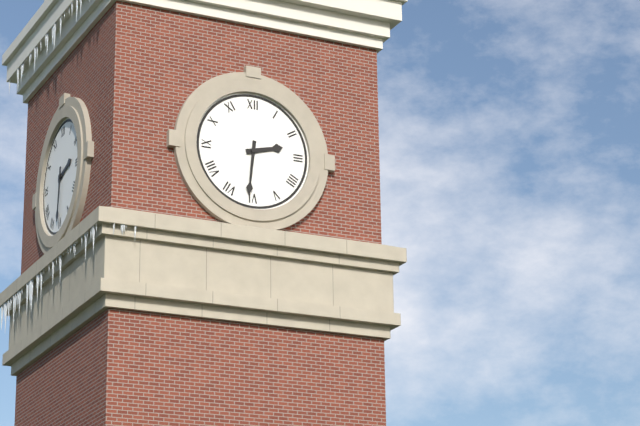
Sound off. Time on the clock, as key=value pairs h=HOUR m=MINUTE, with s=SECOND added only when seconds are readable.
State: h=2 m=31
